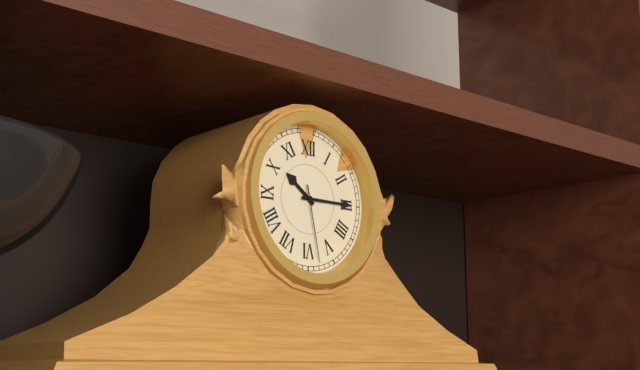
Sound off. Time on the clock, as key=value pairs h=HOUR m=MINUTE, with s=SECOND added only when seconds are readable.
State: h=10 m=15 s=28
